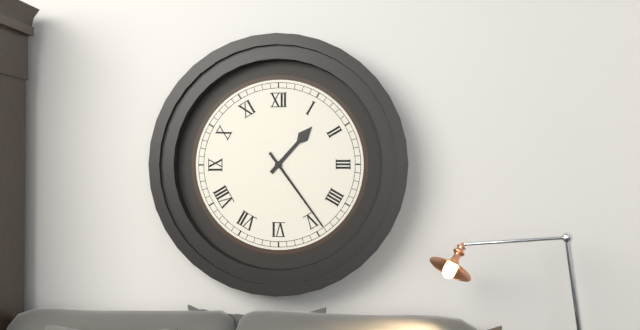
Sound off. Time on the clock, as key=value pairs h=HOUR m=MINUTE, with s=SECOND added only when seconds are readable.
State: h=1 m=24
